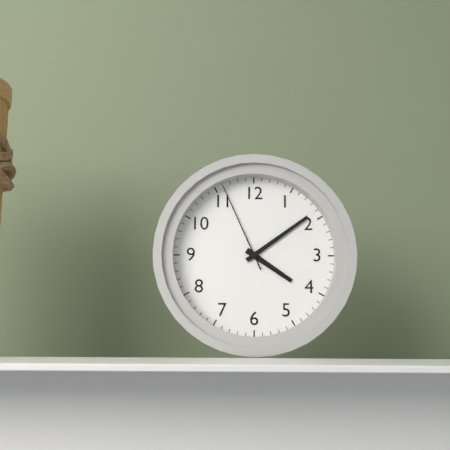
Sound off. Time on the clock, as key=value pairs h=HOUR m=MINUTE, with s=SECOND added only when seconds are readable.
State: h=4 m=9 s=56
